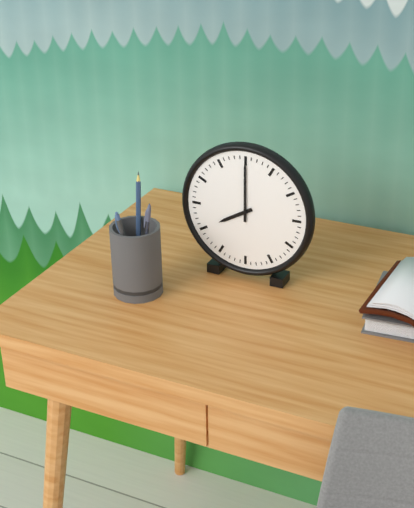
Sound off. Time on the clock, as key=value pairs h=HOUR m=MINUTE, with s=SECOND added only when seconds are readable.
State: h=8 m=0
